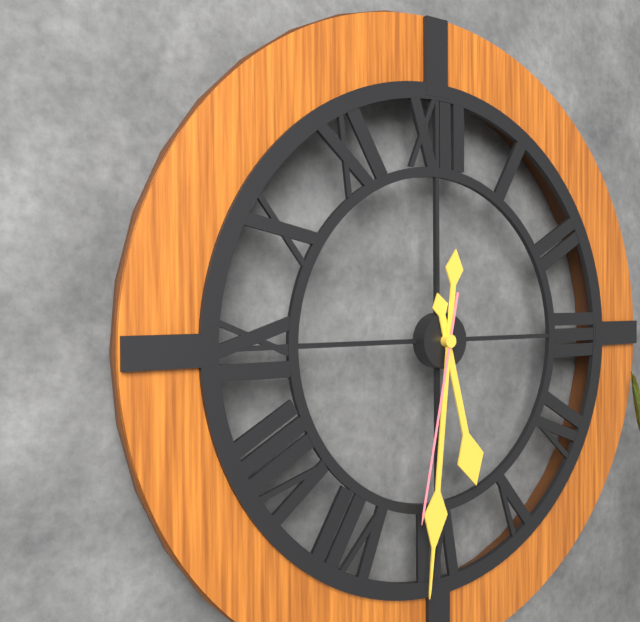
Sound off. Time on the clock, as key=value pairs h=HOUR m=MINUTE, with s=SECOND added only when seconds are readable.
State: h=5 m=31 s=32
